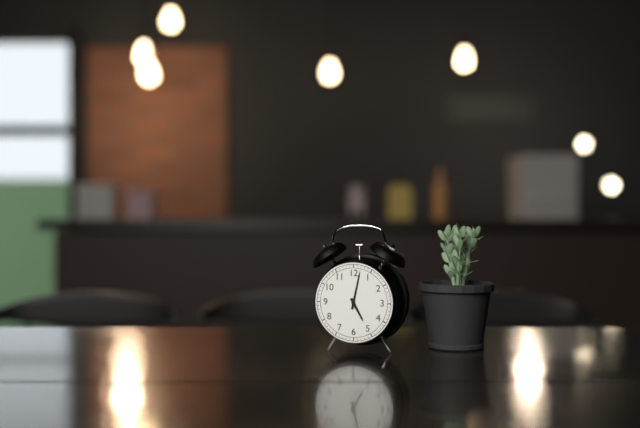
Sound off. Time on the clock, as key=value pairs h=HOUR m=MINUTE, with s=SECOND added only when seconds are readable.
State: h=5 m=2
